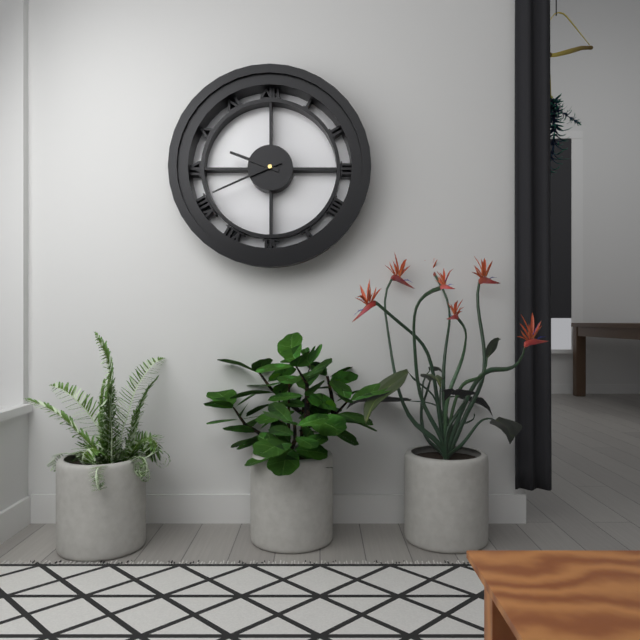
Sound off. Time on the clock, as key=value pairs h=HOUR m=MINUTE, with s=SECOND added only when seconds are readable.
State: h=9 m=41
